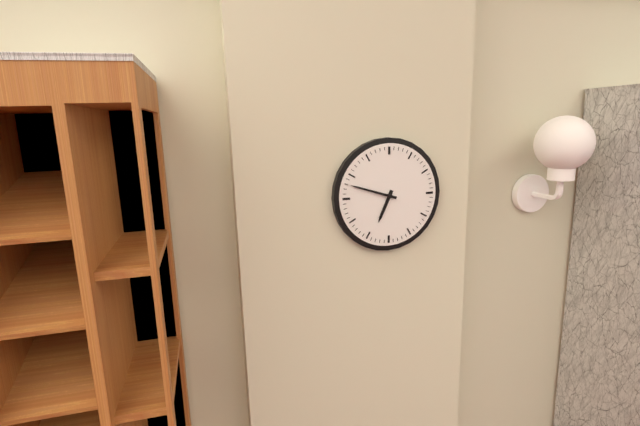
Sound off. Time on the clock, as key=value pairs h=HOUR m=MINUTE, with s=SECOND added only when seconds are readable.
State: h=6 m=48
